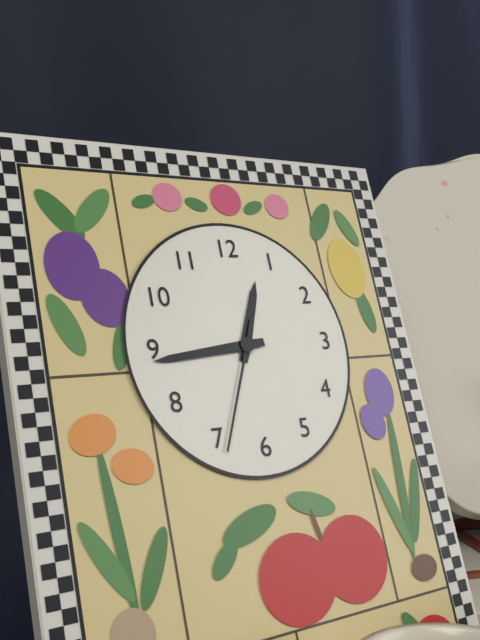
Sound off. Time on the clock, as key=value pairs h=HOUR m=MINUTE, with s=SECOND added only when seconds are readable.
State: h=12 m=44 s=34
